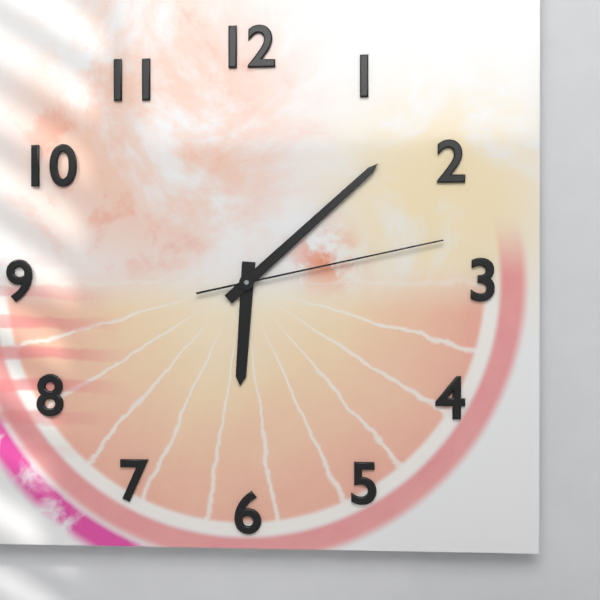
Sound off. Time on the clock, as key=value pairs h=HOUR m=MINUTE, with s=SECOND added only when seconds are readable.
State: h=6 m=8 s=13
